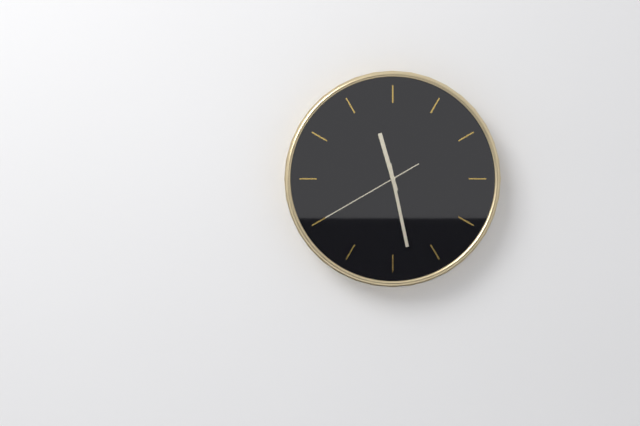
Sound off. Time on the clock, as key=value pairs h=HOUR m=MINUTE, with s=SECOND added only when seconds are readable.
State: h=11 m=28 s=40
